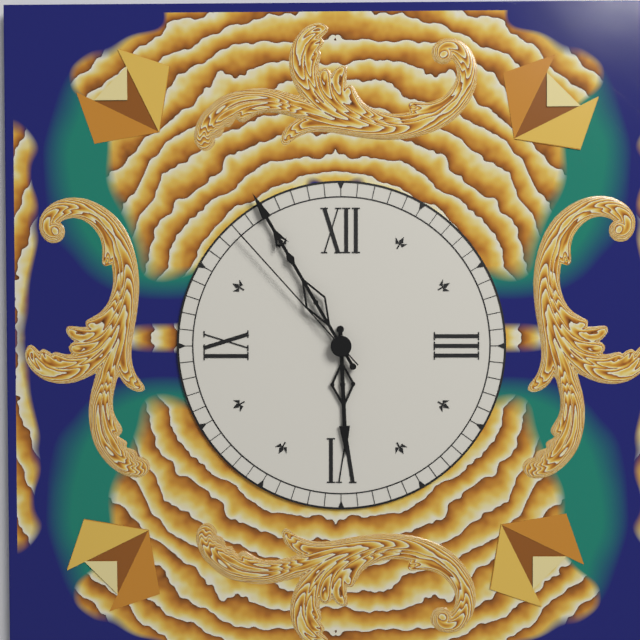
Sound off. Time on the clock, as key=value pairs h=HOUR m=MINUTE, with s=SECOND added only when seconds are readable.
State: h=5 m=55 s=53
